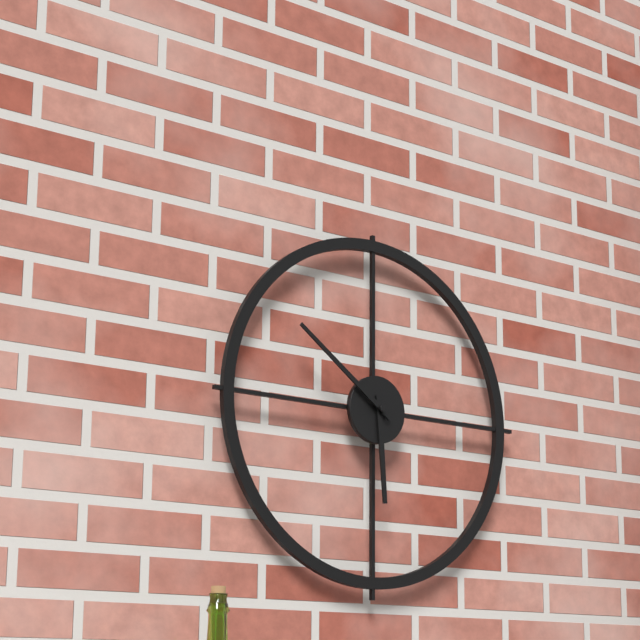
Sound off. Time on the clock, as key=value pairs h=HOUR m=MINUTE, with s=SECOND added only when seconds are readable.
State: h=5 m=51
